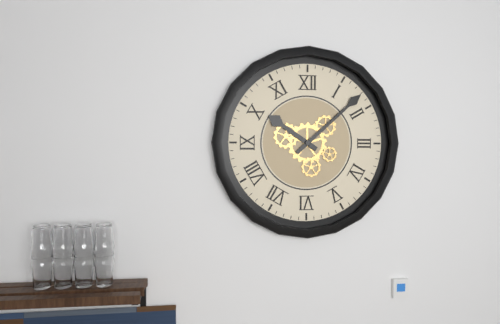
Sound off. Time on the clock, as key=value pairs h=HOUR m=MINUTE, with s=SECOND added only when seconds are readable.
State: h=10 m=8
